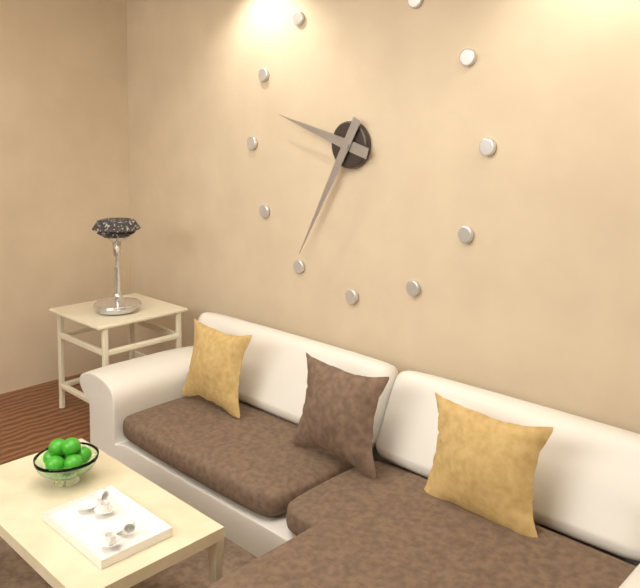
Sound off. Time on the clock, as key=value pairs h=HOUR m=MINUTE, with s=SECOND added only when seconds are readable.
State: h=9 m=35
